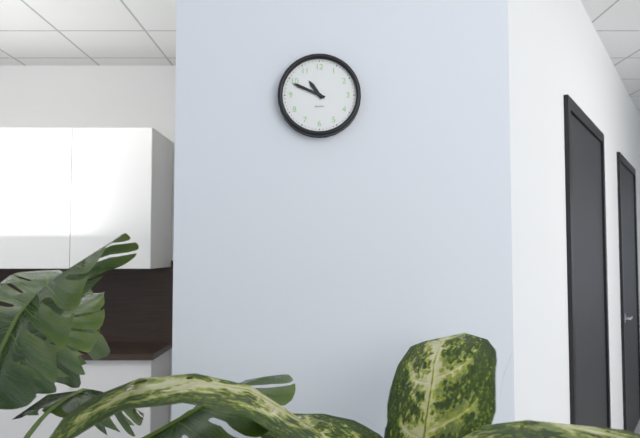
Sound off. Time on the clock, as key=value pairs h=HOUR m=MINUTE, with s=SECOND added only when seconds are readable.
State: h=10 m=49
